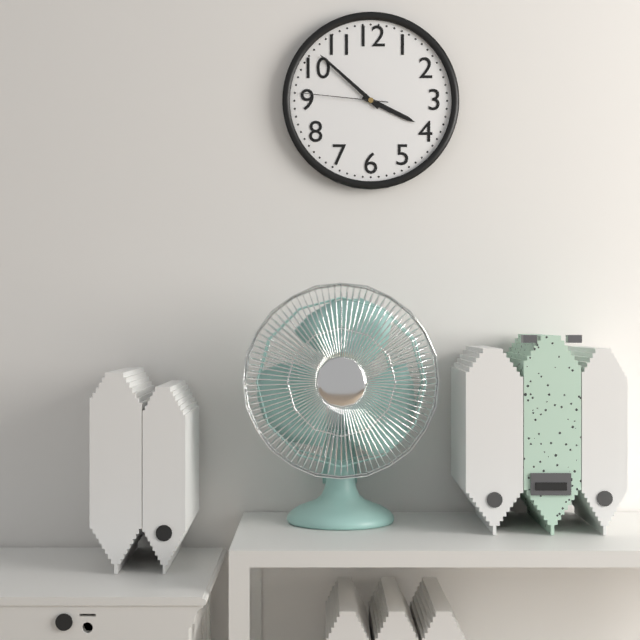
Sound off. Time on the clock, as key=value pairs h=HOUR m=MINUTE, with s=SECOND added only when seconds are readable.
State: h=3 m=52 s=46
